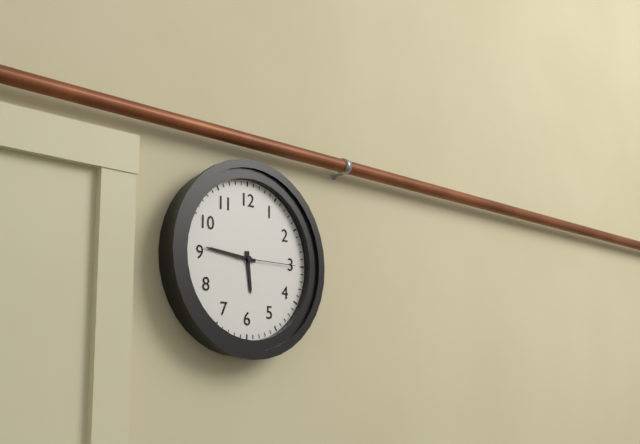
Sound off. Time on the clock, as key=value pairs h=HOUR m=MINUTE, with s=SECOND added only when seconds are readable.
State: h=5 m=46 s=15
